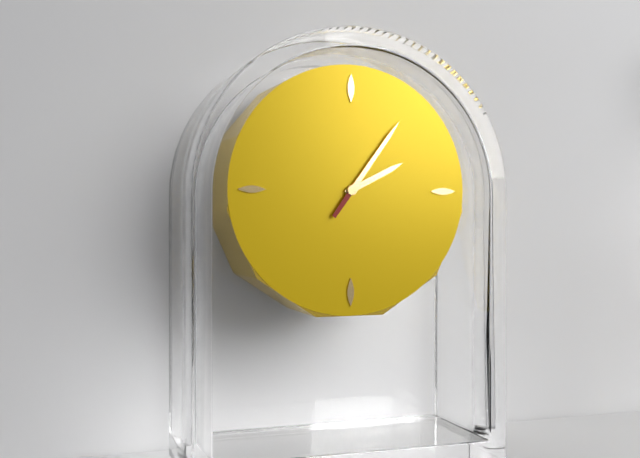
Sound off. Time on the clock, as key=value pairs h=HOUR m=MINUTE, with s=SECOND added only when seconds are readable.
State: h=2 m=6
